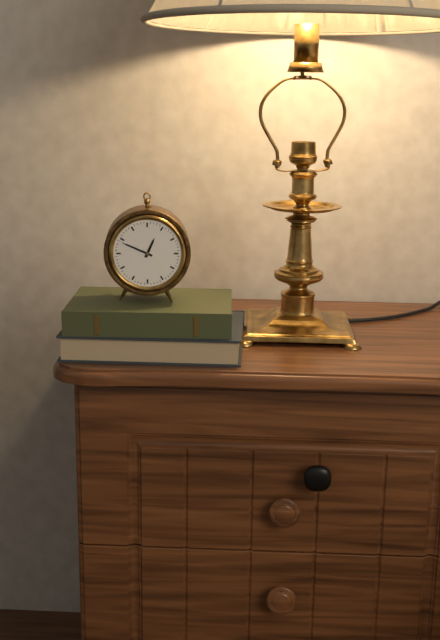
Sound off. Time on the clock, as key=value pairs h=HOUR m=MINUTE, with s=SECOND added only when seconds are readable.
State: h=12 m=49
